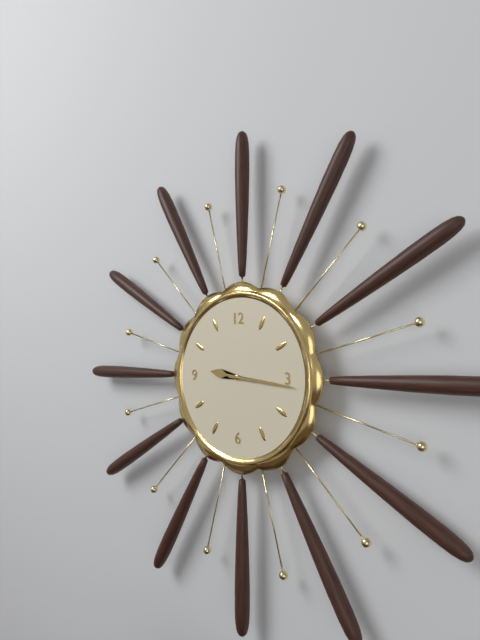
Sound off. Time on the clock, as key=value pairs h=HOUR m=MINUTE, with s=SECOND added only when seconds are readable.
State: h=9 m=16
